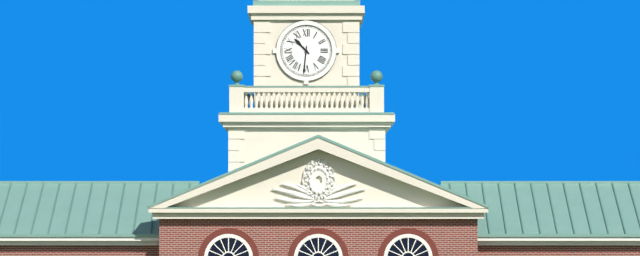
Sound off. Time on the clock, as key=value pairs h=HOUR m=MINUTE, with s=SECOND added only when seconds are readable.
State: h=10 m=31
